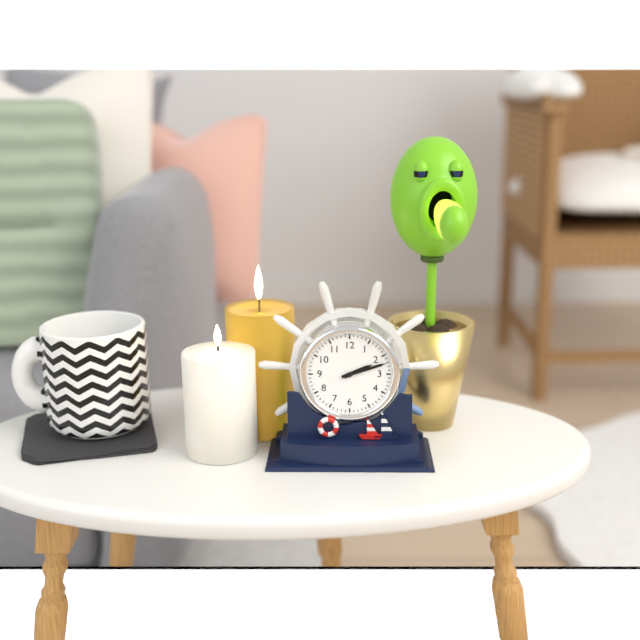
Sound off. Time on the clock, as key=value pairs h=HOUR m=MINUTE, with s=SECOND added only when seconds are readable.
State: h=2 m=12
